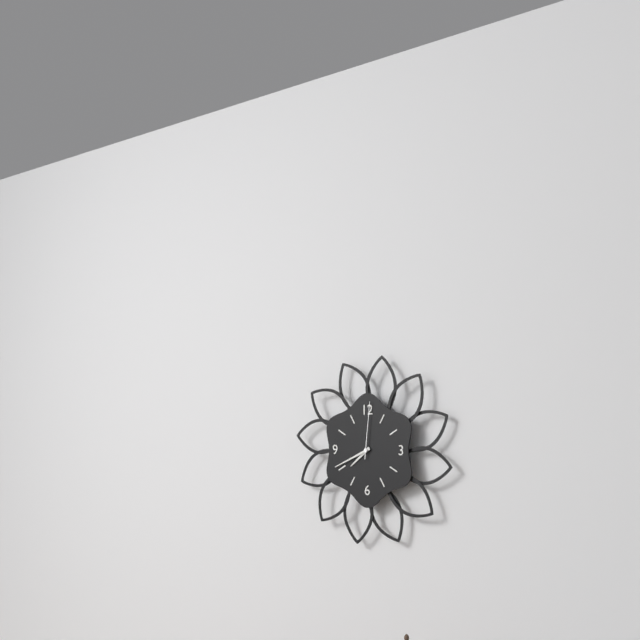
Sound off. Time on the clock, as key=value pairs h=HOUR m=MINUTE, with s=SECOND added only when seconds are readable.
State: h=7 m=41 s=1
